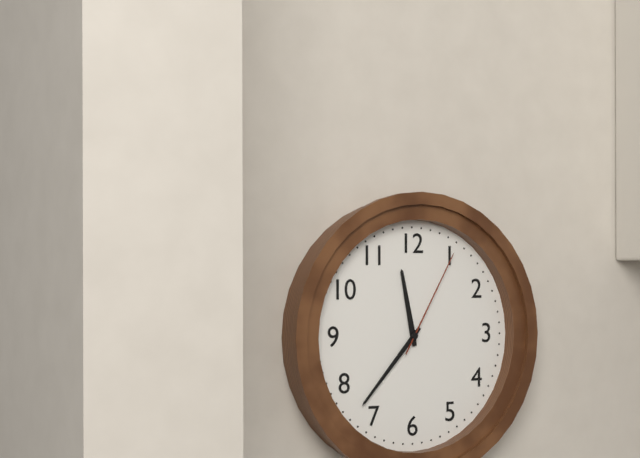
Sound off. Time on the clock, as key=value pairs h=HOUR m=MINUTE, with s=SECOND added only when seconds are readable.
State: h=11 m=37 s=5
